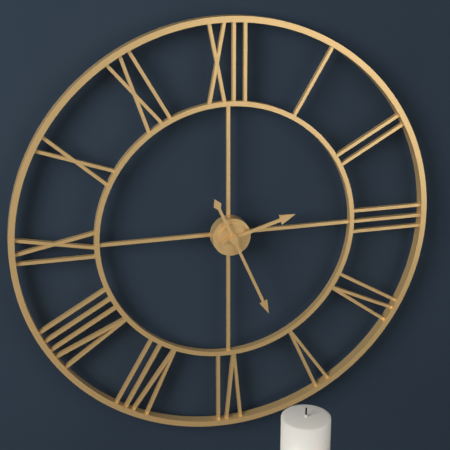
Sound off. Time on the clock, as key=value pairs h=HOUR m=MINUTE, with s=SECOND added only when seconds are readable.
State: h=2 m=26
